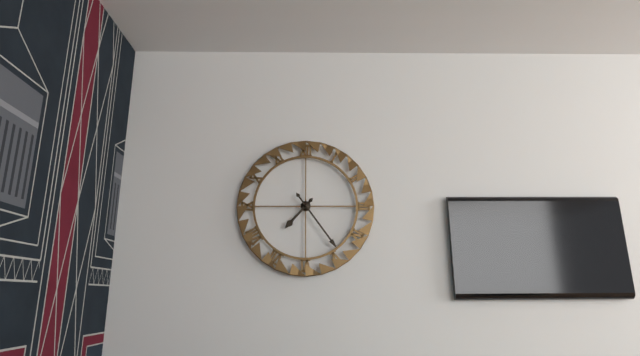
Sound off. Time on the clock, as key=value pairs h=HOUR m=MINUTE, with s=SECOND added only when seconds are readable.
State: h=7 m=24
